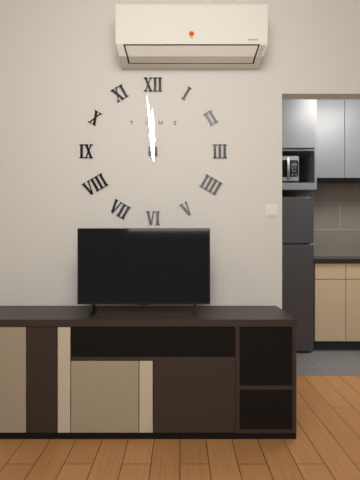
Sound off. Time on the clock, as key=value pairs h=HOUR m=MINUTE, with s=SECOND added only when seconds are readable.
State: h=11 m=59
